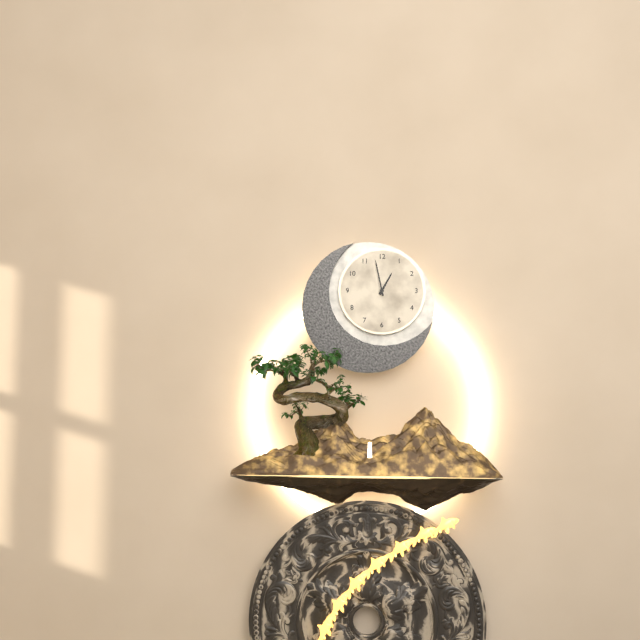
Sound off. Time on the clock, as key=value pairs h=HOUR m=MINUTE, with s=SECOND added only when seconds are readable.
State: h=12 m=58
